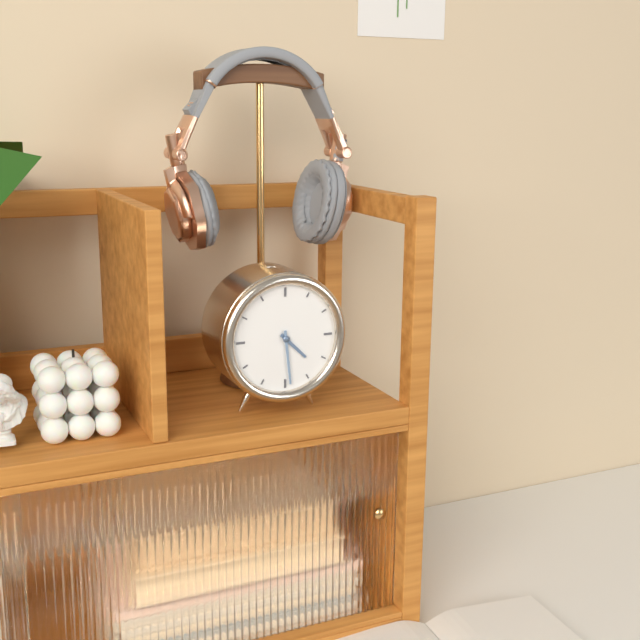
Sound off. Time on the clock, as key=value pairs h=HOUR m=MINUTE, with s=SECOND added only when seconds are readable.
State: h=4 m=29
